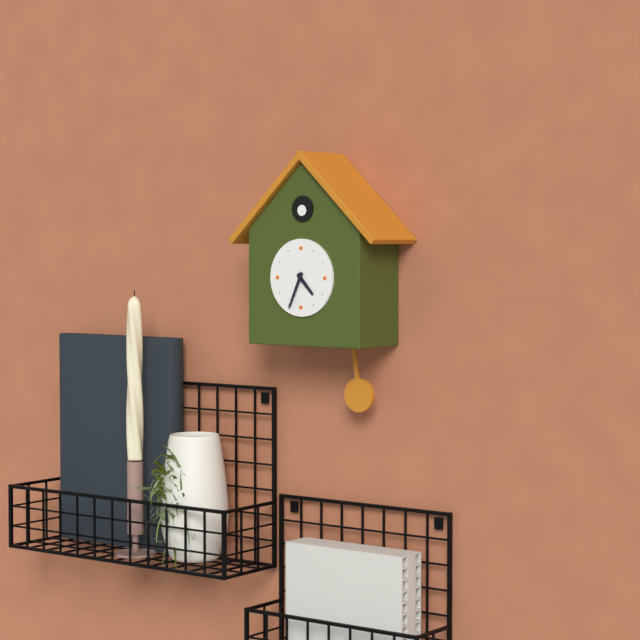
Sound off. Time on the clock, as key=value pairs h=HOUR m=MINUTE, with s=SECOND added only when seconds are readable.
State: h=4 m=34
